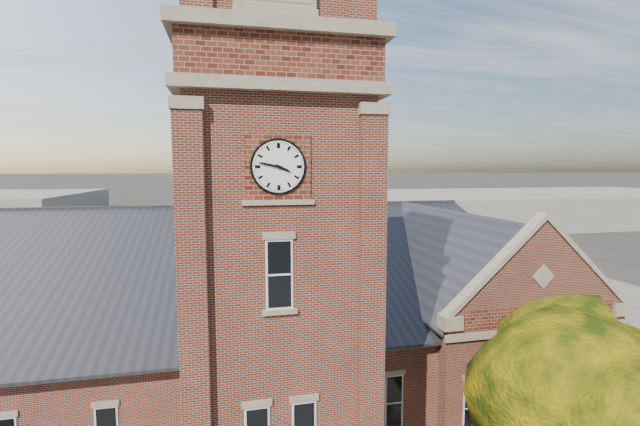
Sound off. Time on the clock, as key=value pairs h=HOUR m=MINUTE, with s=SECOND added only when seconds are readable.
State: h=3 m=47
